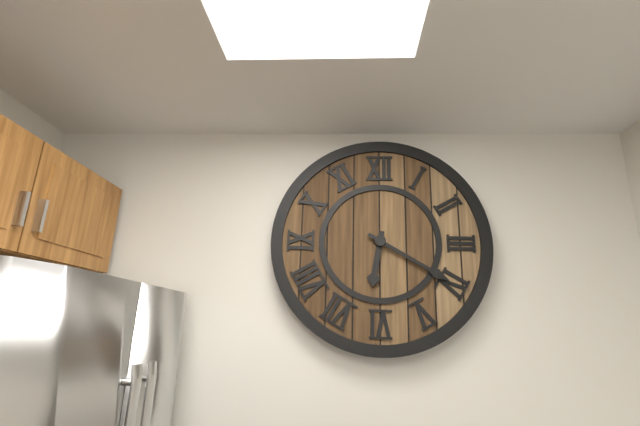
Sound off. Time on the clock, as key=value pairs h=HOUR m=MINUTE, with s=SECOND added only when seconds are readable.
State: h=6 m=20
